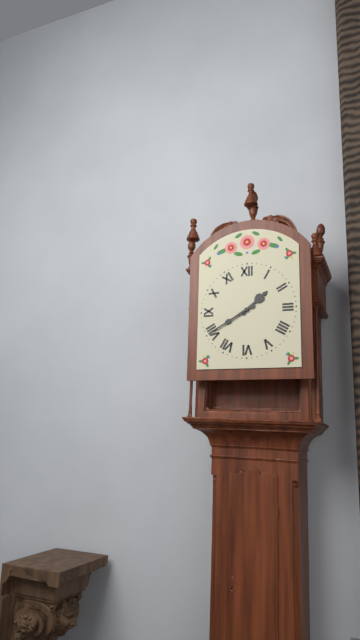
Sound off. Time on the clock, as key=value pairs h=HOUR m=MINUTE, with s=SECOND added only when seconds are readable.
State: h=1 m=40
